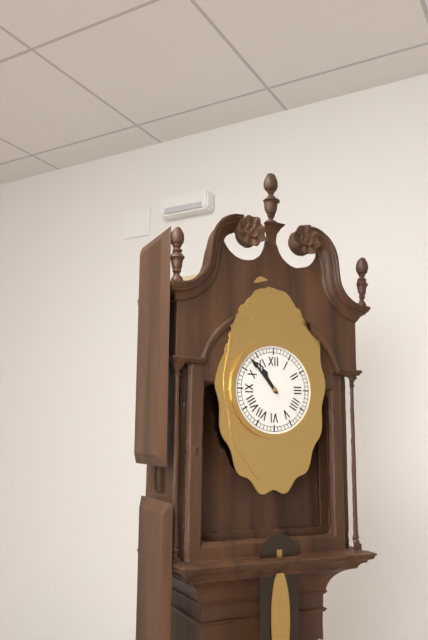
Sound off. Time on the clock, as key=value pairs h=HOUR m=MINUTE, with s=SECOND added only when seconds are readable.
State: h=10 m=53
